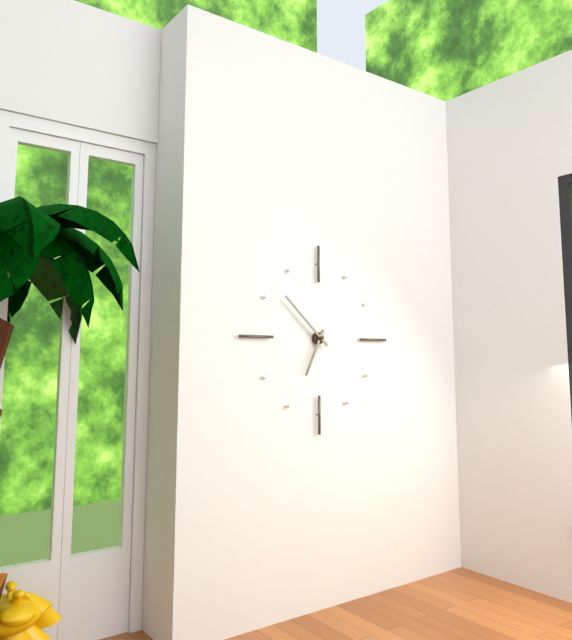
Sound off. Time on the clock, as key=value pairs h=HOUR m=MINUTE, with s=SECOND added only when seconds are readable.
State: h=6 m=52
